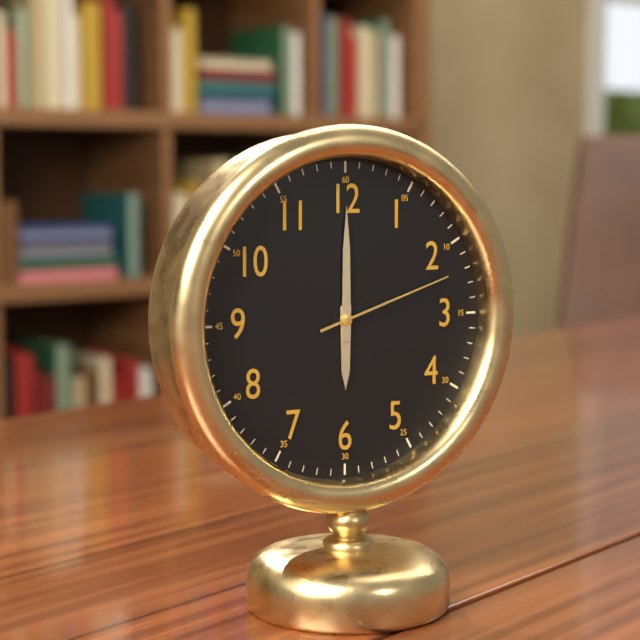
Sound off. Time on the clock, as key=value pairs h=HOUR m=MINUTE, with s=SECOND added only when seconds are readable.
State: h=6 m=0 s=12
